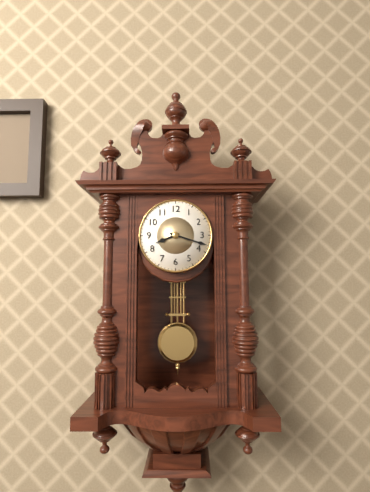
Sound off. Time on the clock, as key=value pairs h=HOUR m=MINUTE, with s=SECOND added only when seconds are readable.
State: h=8 m=18
